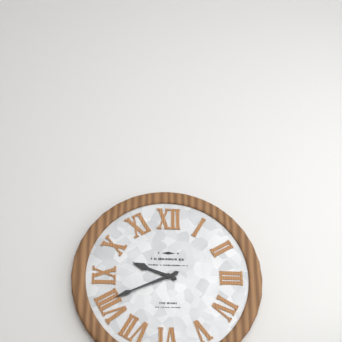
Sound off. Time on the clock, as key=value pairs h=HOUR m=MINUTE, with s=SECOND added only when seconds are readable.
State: h=9 m=41
